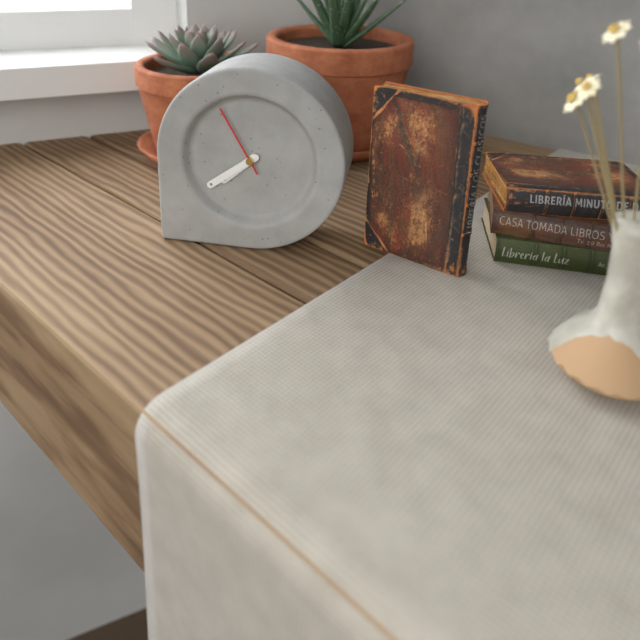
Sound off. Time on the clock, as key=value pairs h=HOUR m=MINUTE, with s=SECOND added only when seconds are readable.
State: h=7 m=39 s=55
